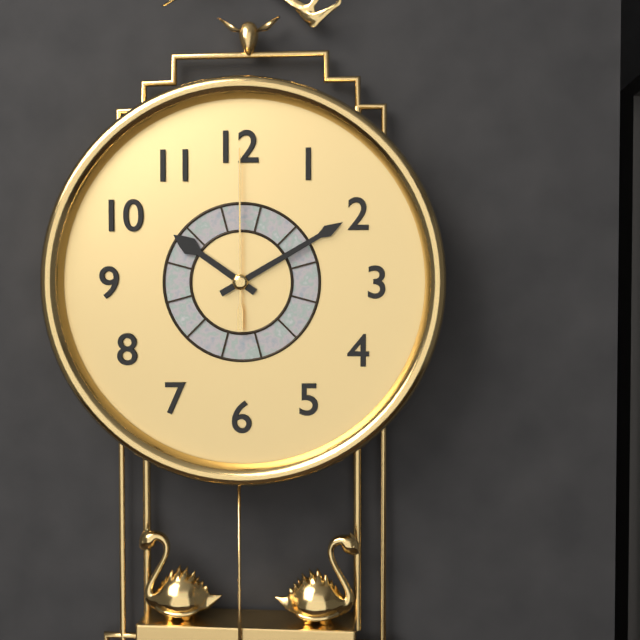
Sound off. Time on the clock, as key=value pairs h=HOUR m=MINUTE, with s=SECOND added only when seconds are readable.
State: h=10 m=10 s=0
